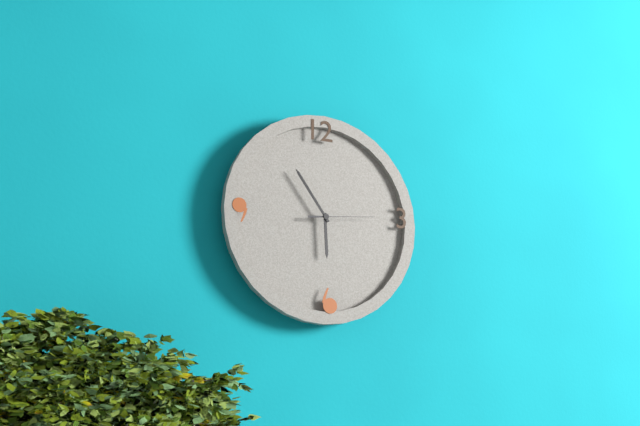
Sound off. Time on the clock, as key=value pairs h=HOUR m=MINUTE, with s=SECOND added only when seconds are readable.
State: h=5 m=54 s=14
